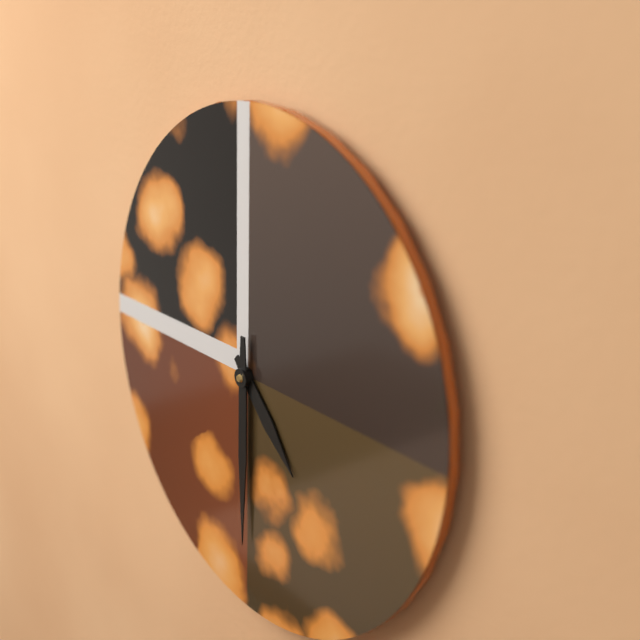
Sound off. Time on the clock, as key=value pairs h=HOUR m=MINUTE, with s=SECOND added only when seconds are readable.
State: h=4 m=30
